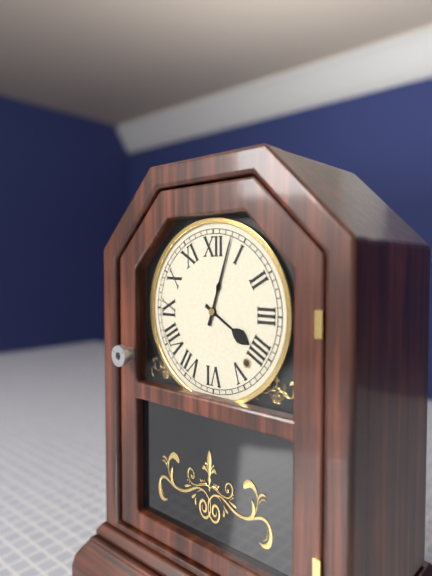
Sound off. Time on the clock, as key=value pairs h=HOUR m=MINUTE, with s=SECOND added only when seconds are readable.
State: h=4 m=3
